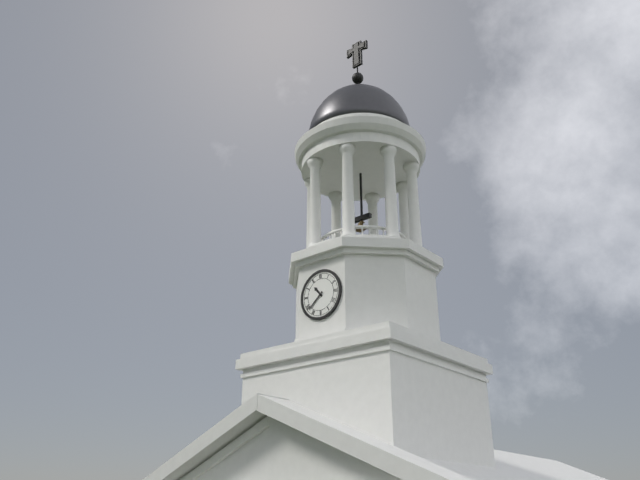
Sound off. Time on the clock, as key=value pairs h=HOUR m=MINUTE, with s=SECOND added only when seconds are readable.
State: h=10 m=38
